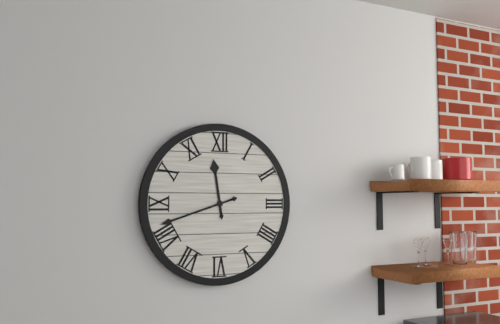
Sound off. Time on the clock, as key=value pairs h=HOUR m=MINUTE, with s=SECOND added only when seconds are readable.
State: h=11 m=42
